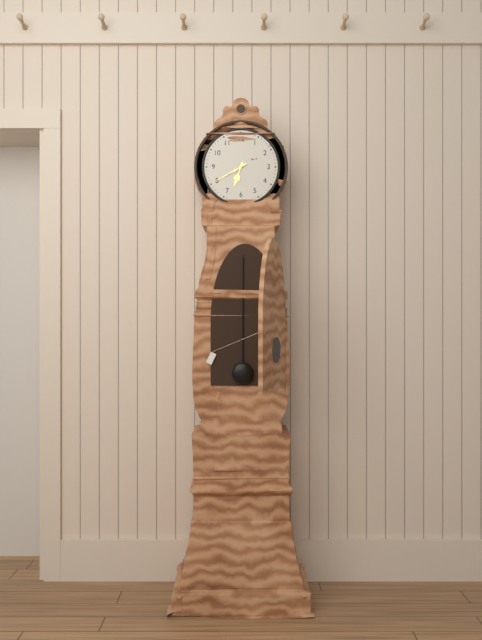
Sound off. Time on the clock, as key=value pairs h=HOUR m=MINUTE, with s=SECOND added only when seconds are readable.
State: h=6 m=40
